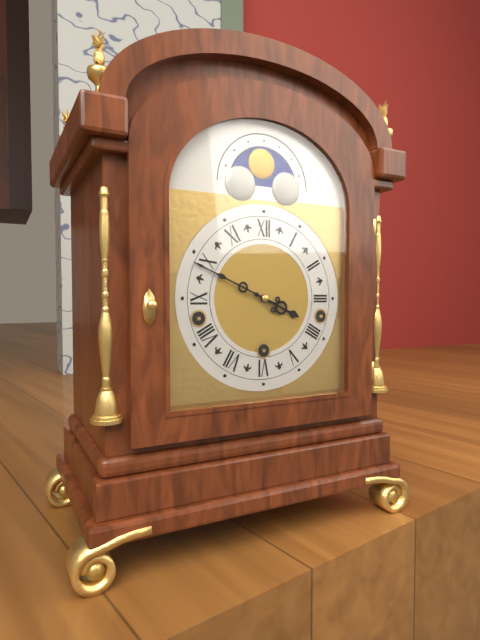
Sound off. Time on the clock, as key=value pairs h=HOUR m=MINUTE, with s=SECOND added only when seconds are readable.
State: h=3 m=49
